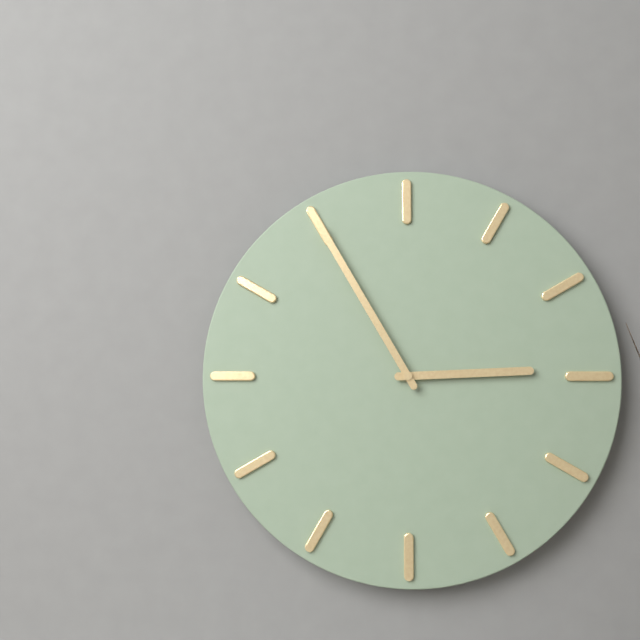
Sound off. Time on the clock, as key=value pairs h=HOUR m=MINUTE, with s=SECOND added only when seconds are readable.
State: h=2 m=55
